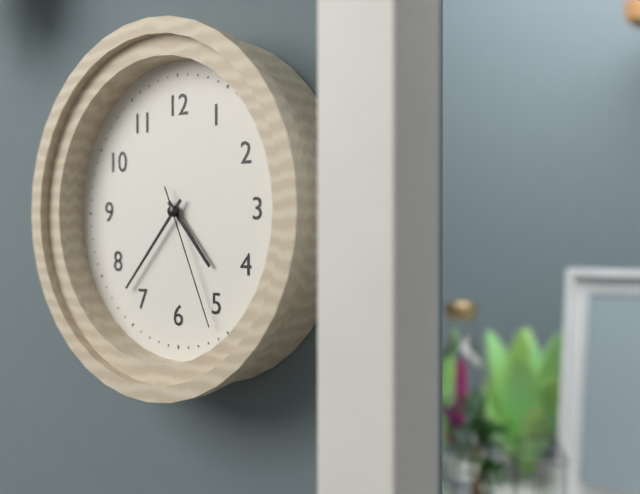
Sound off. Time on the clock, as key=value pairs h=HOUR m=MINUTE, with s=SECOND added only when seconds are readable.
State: h=4 m=37 s=26
